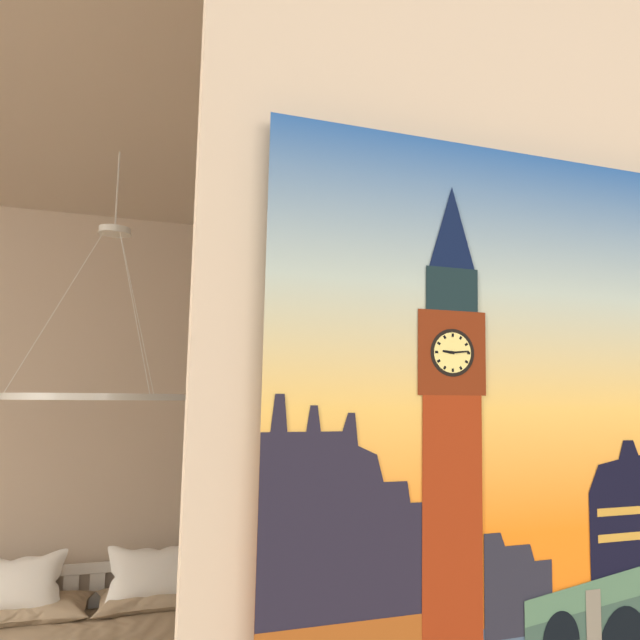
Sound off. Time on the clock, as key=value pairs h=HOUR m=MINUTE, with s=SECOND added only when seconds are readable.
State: h=9 m=14
